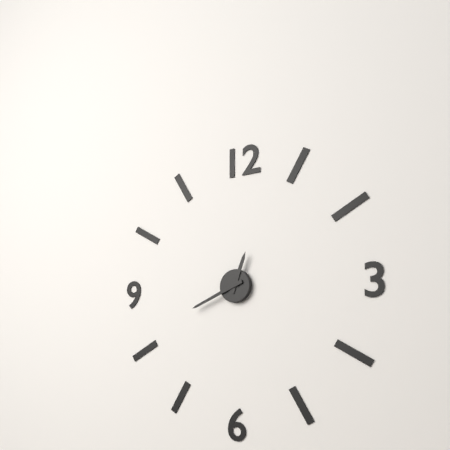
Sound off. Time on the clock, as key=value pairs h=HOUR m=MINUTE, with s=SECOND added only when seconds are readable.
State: h=12 m=41
